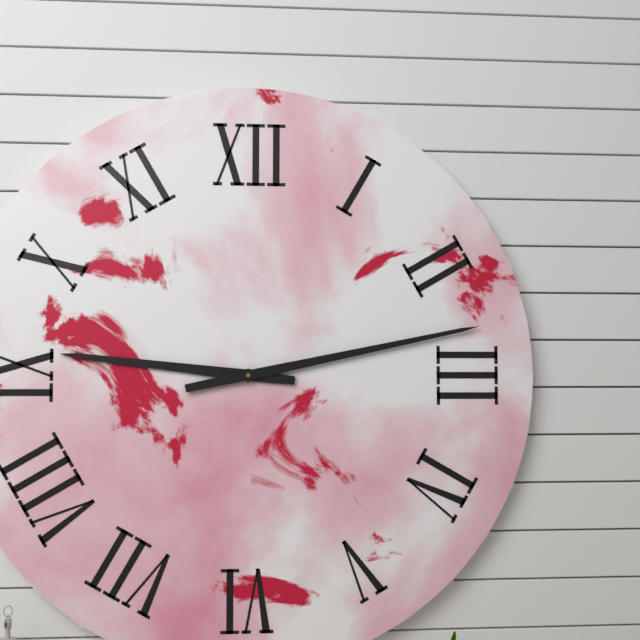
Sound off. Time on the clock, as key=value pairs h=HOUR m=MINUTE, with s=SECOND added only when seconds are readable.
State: h=9 m=13
